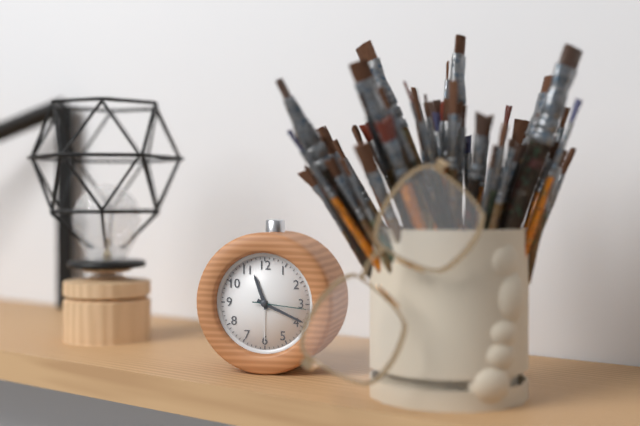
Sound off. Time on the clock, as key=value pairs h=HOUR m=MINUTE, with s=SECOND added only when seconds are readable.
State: h=11 m=19 s=16
